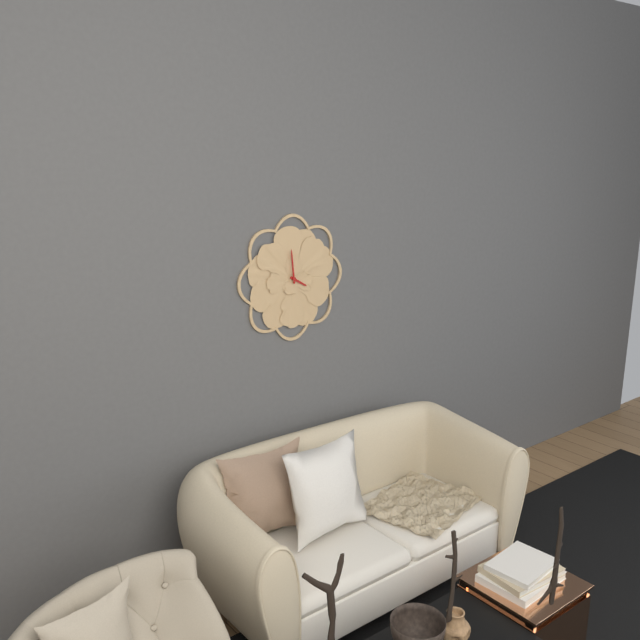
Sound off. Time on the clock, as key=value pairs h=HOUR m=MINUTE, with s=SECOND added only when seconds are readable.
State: h=3 m=59
